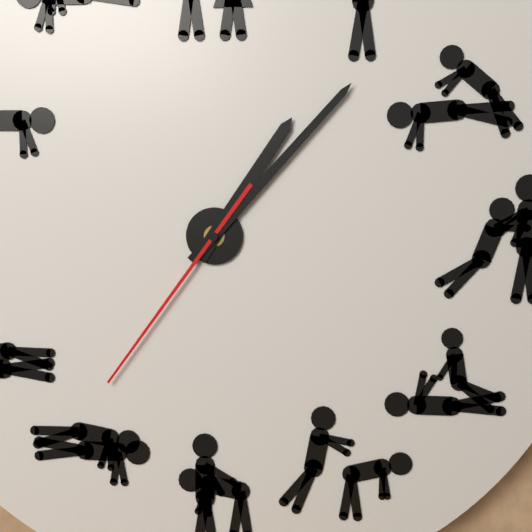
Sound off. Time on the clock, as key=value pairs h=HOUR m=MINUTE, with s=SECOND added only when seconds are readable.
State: h=1 m=7 s=36
